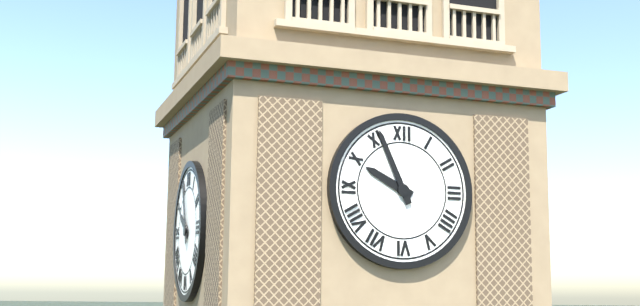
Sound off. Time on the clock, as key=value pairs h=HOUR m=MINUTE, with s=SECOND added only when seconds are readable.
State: h=9 m=56
